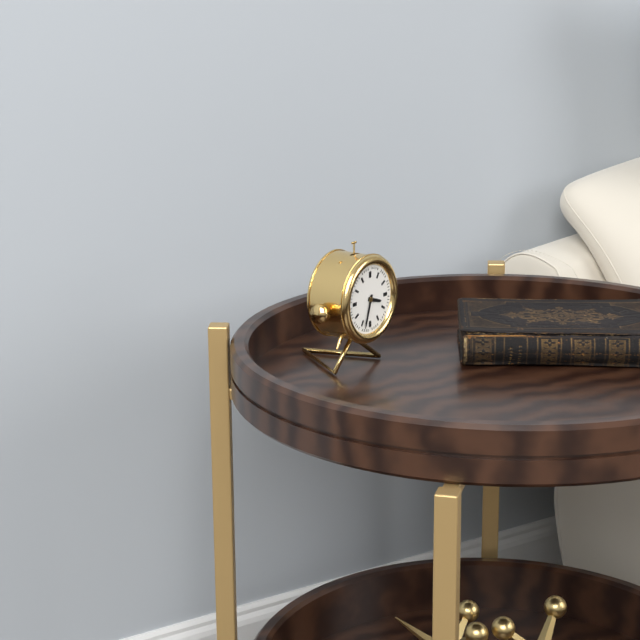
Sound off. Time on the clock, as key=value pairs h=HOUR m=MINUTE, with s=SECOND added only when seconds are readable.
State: h=3 m=33
